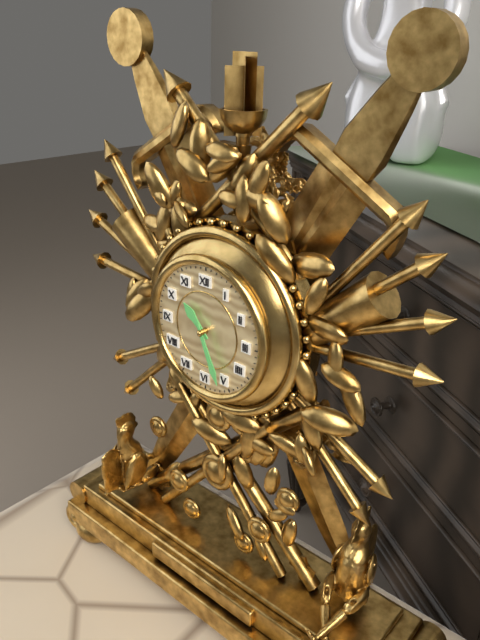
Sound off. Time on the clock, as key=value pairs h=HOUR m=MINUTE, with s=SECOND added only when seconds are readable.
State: h=10 m=26
